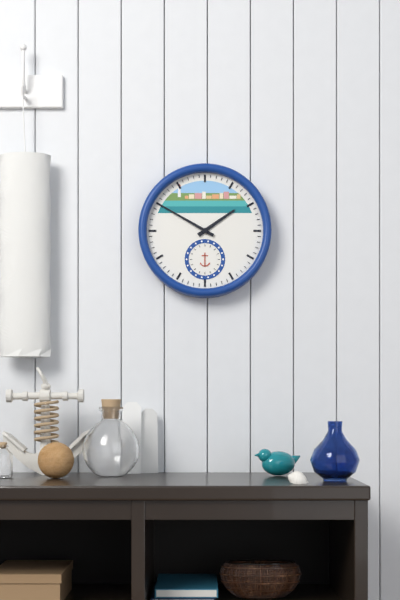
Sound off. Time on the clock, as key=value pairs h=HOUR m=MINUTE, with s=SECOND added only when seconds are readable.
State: h=1 m=50
